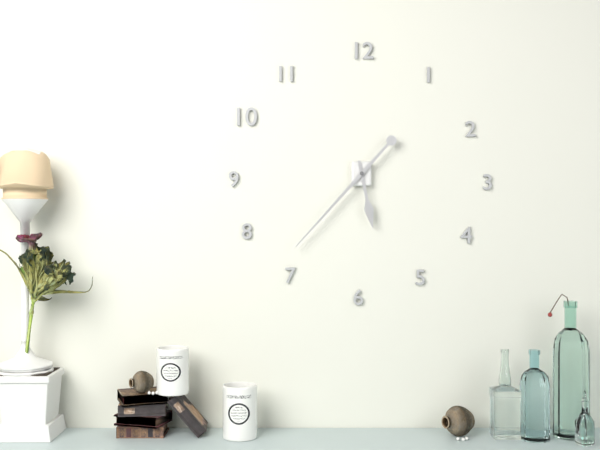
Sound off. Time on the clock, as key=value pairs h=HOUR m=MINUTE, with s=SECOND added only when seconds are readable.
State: h=5 m=37
